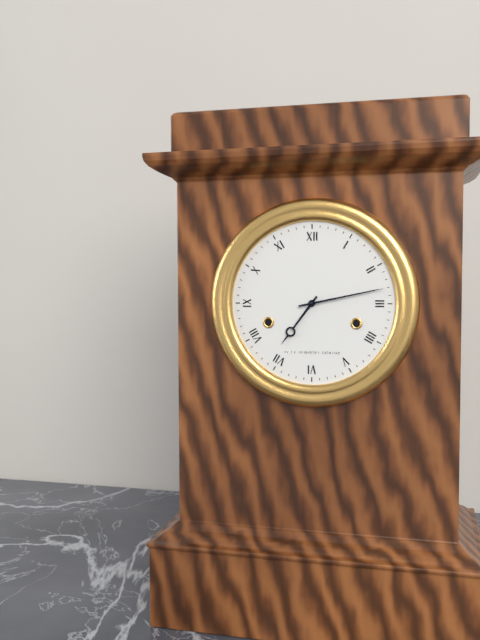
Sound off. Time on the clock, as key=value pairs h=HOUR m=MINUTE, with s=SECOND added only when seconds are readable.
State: h=7 m=13
